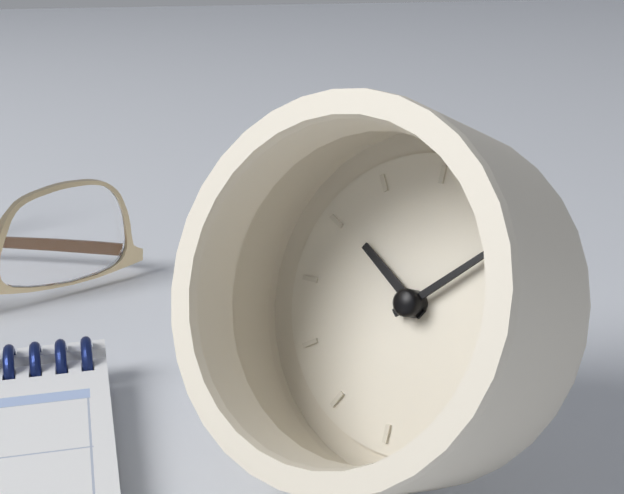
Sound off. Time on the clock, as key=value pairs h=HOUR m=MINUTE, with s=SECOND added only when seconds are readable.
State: h=10 m=8
